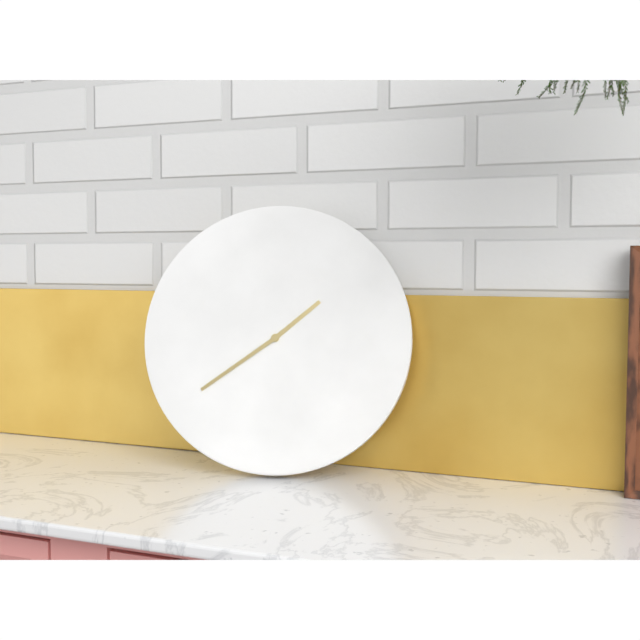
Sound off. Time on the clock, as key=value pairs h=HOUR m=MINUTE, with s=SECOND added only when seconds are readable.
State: h=1 m=39
